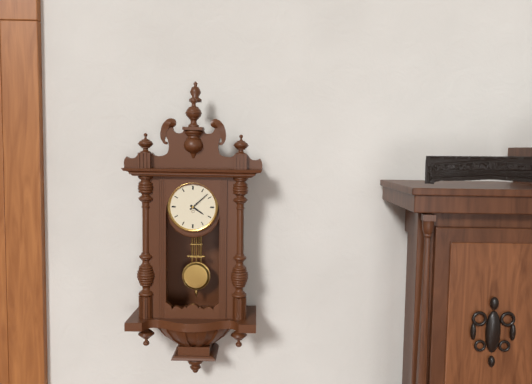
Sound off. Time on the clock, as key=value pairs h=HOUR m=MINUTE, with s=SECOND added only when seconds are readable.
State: h=4 m=8
